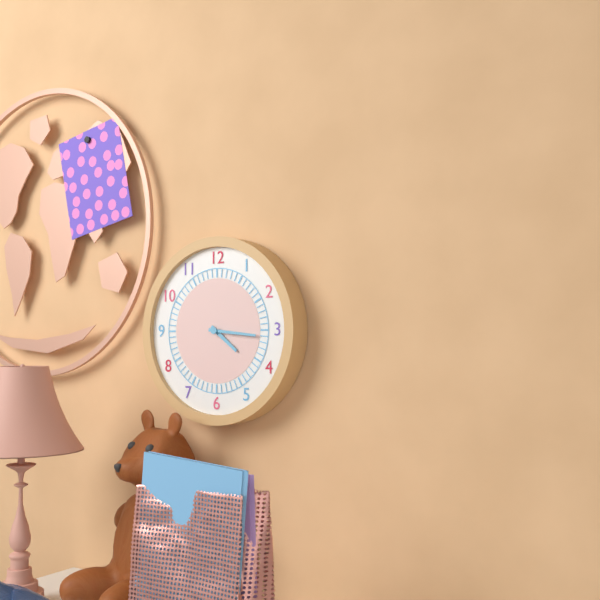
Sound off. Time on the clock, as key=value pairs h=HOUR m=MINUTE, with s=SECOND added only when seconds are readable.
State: h=4 m=16
